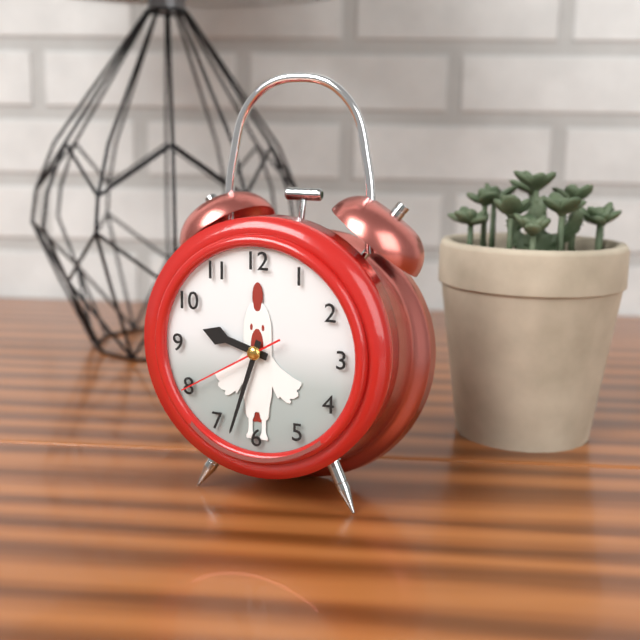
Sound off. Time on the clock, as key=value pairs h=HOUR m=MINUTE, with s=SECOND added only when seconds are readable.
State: h=9 m=33 s=40
